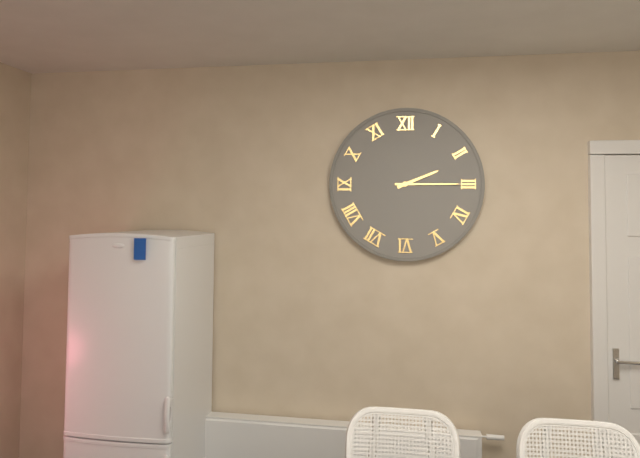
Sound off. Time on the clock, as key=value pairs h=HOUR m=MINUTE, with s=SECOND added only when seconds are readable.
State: h=2 m=15
